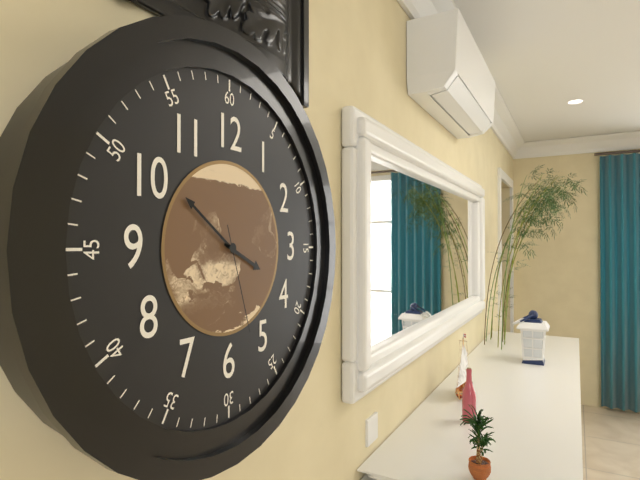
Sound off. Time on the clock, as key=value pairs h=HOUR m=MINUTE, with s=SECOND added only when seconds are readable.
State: h=3 m=51 s=27
